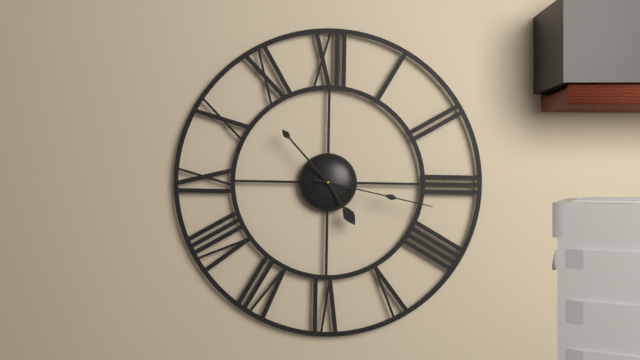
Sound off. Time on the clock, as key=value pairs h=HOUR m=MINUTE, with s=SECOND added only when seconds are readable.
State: h=4 m=53 s=17
